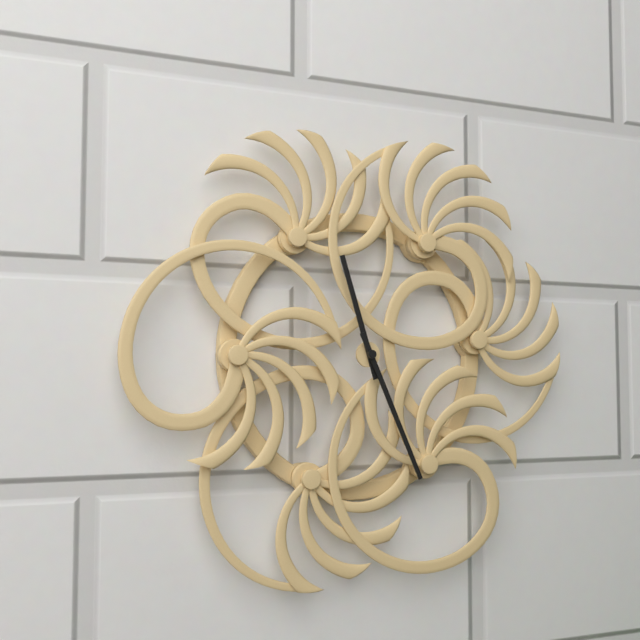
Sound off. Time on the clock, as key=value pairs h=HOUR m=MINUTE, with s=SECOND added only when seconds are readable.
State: h=11 m=26
